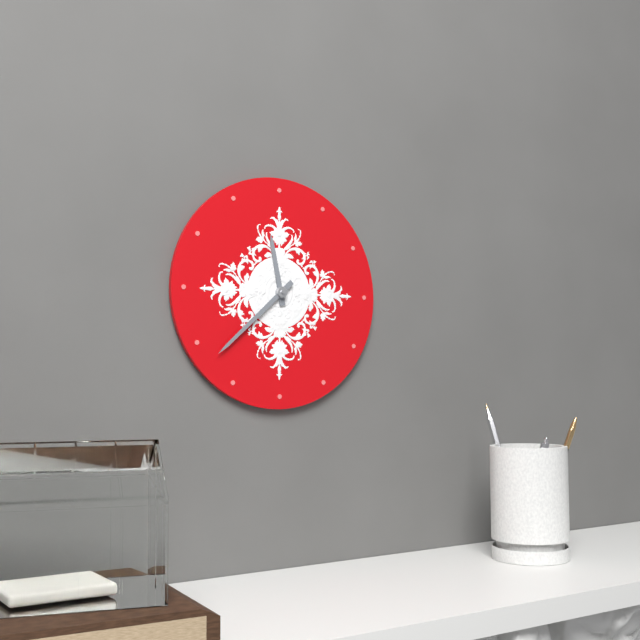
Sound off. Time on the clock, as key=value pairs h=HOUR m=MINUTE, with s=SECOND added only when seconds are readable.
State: h=11 m=38
